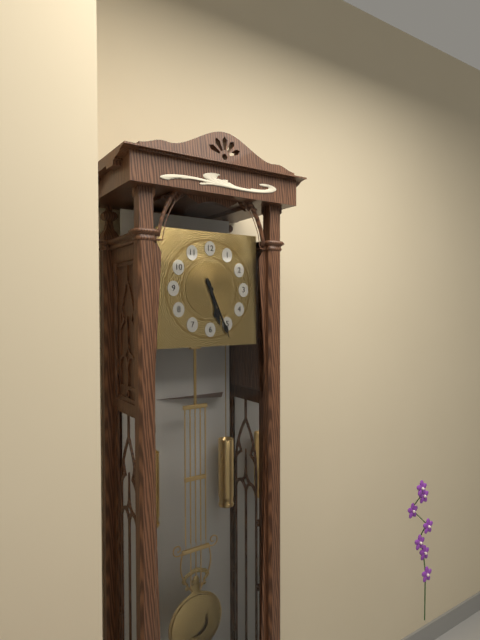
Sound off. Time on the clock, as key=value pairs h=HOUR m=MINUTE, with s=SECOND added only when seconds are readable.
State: h=5 m=26
